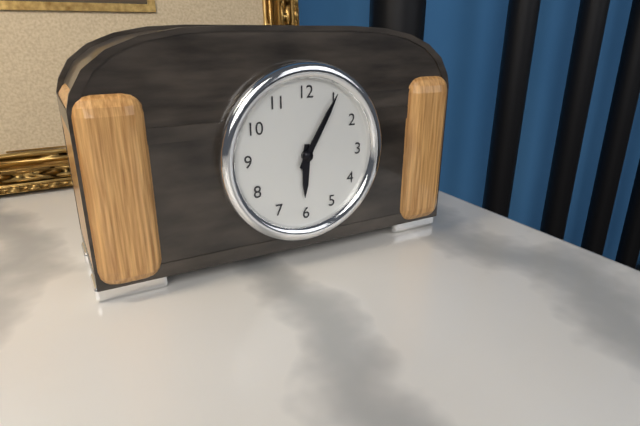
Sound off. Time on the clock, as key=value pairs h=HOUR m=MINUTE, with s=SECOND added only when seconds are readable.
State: h=6 m=5
